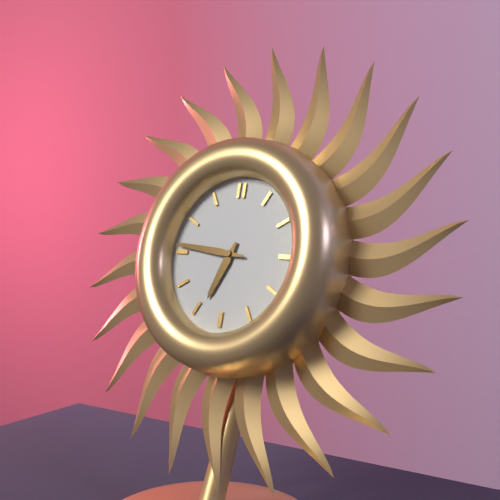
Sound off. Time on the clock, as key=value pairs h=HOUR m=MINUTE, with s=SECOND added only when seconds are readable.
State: h=6 m=46
